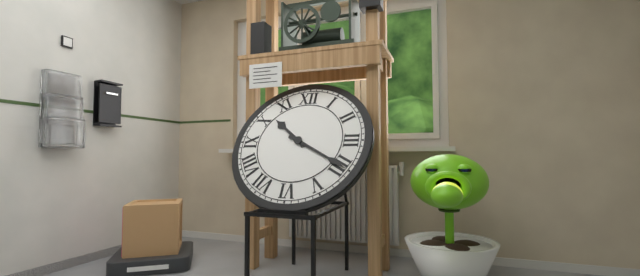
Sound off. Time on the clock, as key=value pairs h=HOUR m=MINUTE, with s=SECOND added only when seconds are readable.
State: h=10 m=20
